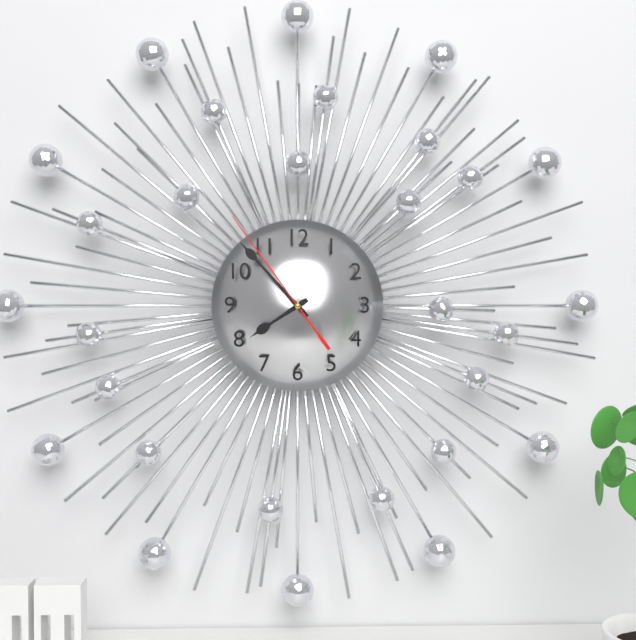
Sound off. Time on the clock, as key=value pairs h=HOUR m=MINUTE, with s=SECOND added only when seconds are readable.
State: h=7 m=53 s=54
